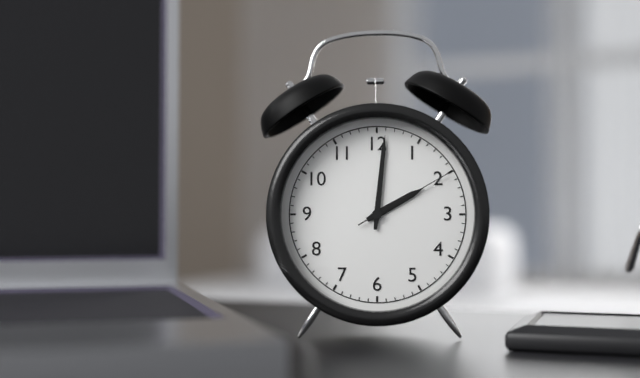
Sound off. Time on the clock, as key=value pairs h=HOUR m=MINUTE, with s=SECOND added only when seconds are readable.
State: h=2 m=1 s=10
